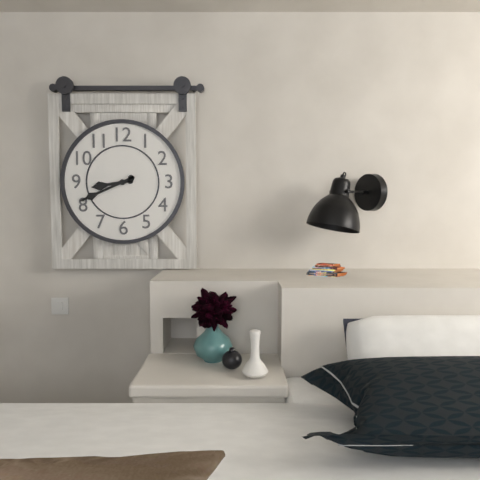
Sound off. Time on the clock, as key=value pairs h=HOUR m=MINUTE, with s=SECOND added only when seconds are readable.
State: h=8 m=41
